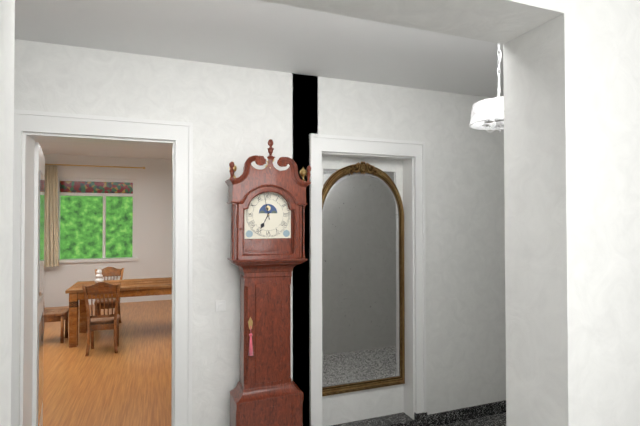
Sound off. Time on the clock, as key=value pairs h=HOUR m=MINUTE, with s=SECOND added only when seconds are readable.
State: h=6 m=58
